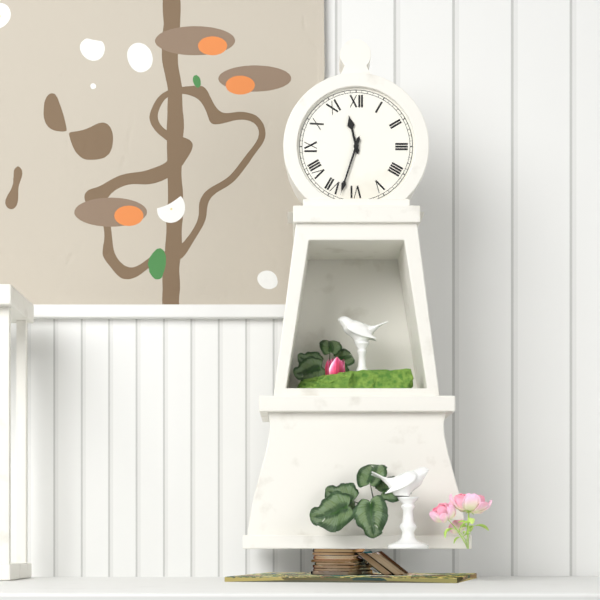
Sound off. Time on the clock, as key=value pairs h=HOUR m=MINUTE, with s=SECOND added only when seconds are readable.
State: h=11 m=33
